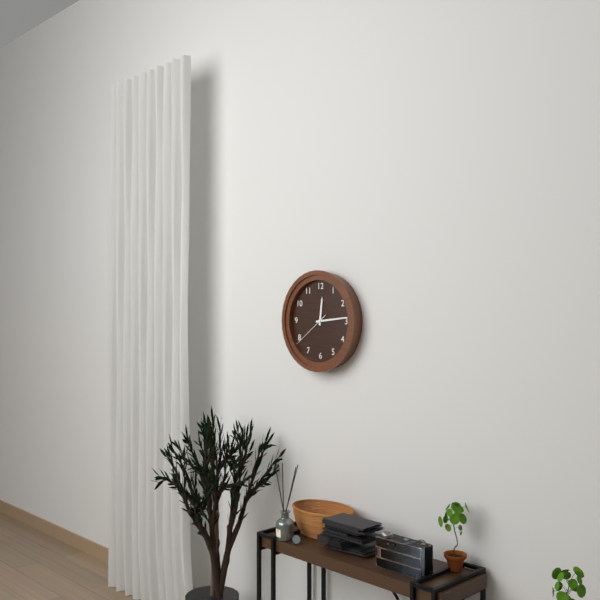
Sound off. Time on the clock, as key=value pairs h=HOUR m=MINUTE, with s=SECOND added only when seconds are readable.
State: h=12 m=14
